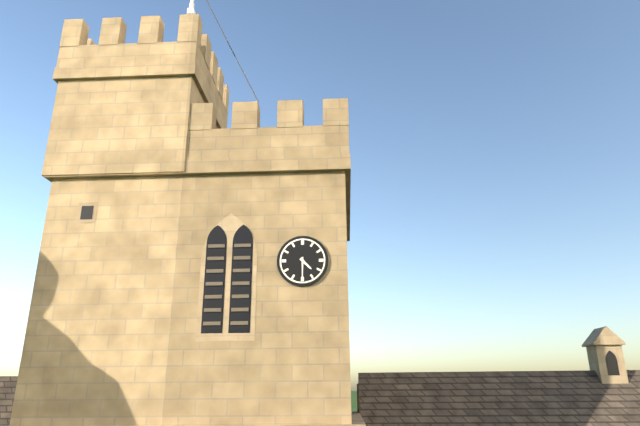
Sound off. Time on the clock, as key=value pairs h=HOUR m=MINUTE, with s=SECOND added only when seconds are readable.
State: h=4 m=30
